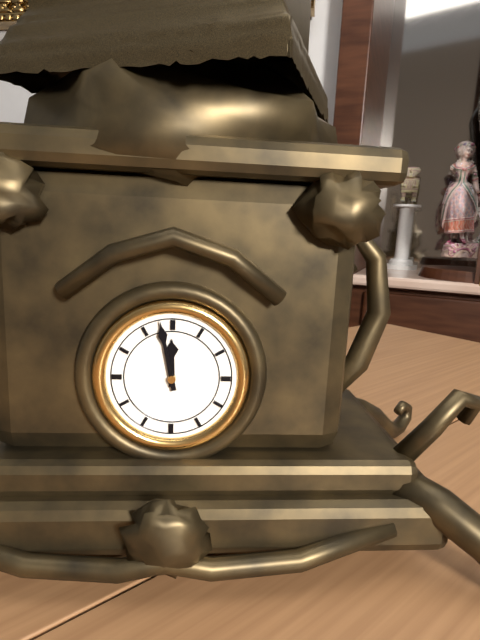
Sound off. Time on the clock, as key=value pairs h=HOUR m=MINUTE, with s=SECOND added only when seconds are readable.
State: h=11 m=58
